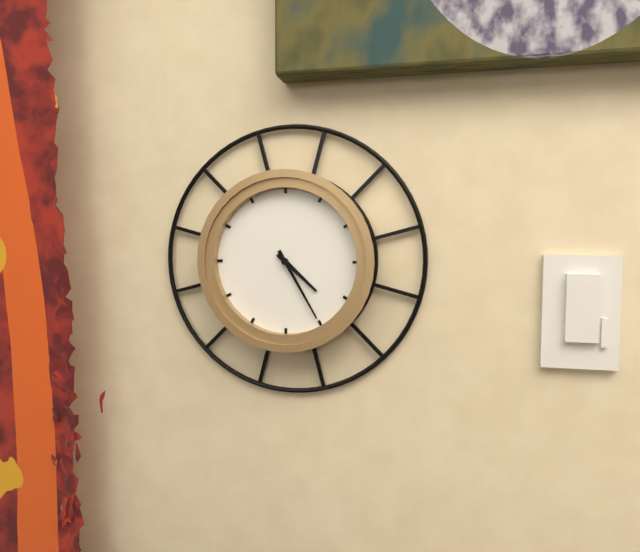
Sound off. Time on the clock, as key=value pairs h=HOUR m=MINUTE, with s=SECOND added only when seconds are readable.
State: h=4 m=25
